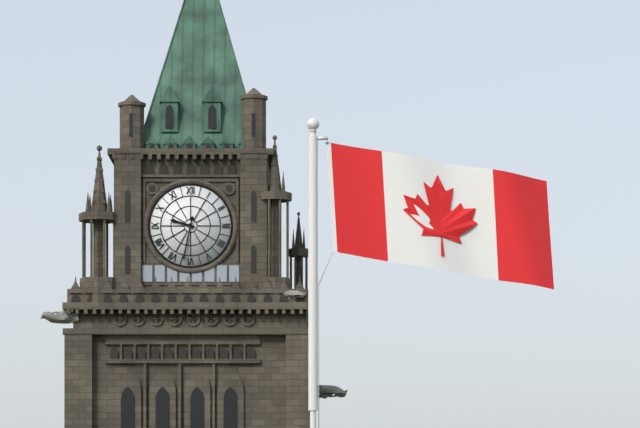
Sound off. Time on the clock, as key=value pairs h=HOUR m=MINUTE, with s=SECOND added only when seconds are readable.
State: h=9 m=32
